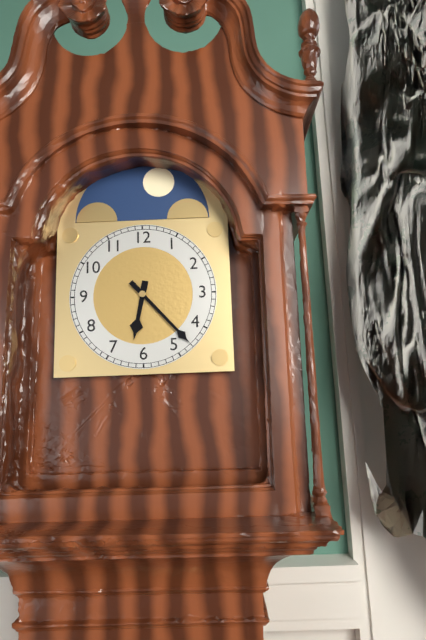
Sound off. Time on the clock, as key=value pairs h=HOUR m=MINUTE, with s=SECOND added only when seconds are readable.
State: h=6 m=23
